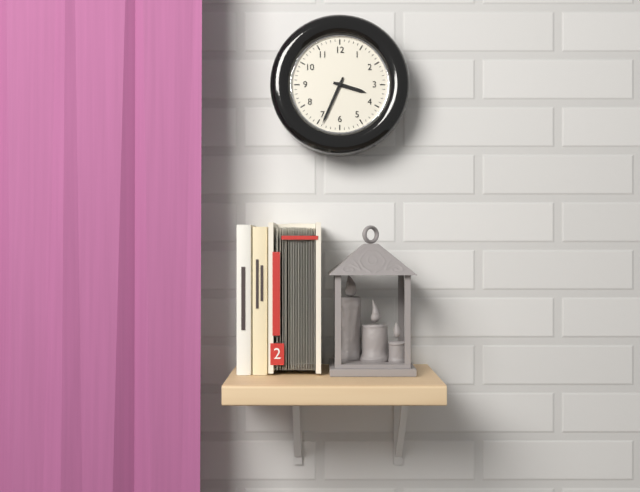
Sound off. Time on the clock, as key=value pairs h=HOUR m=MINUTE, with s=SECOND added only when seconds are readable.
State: h=3 m=34
